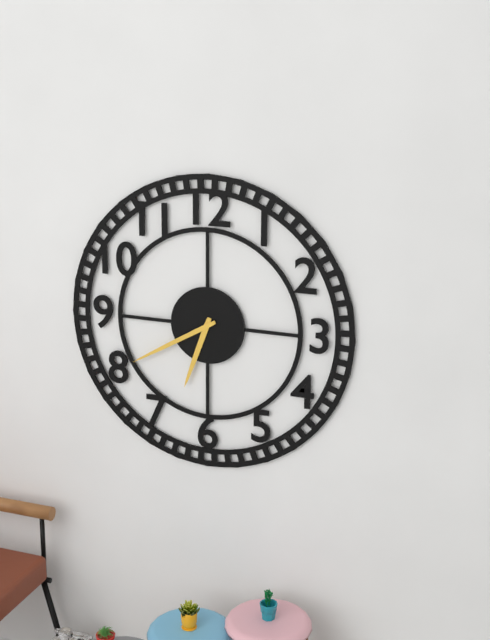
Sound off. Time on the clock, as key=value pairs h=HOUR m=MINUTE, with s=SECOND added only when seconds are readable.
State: h=6 m=40
